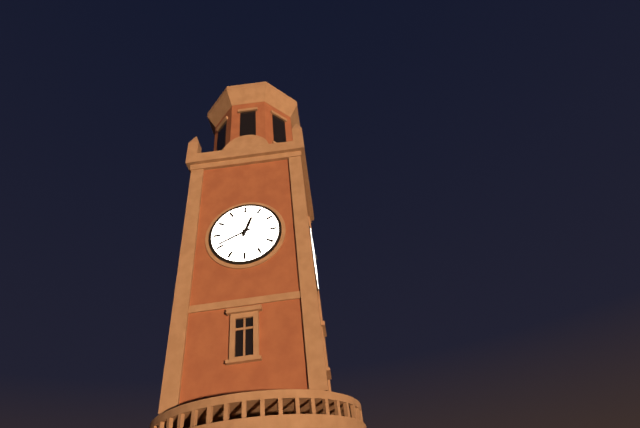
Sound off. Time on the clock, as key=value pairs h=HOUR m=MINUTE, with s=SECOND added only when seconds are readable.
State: h=12 m=41
